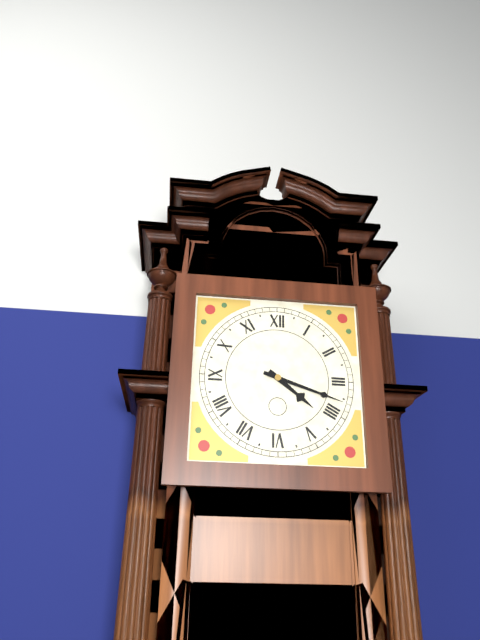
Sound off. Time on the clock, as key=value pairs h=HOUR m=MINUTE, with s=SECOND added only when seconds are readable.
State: h=4 m=18
